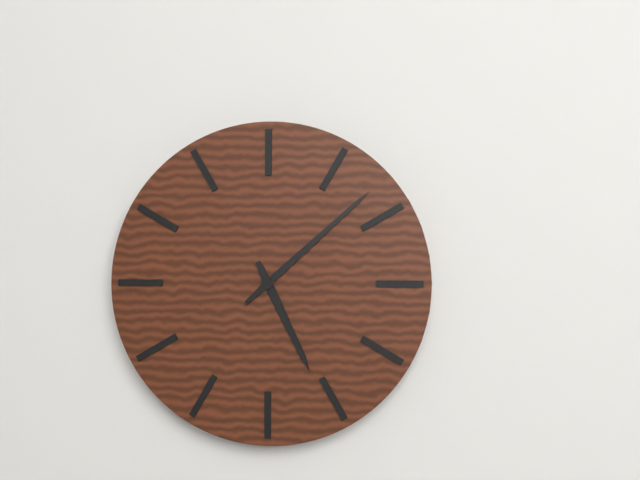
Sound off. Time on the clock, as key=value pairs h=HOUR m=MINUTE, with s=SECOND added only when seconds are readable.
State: h=5 m=8
